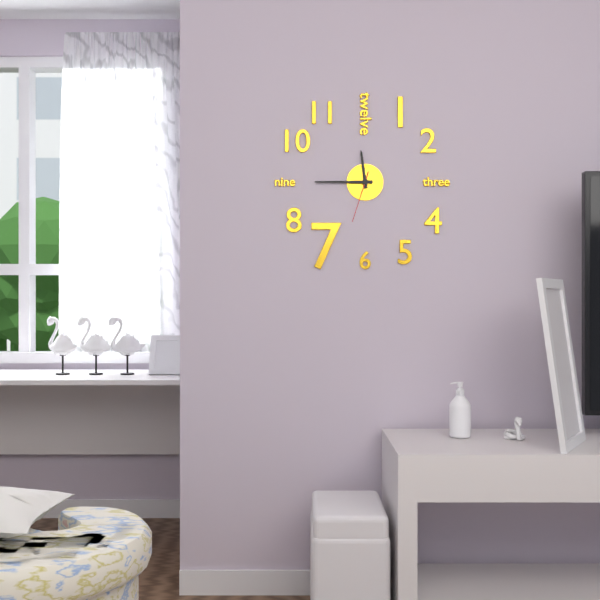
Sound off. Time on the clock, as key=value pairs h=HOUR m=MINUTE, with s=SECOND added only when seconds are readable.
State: h=11 m=45 s=33
